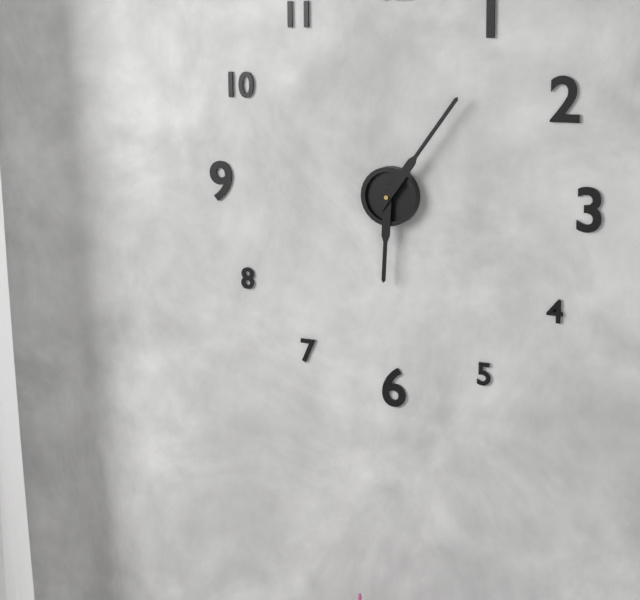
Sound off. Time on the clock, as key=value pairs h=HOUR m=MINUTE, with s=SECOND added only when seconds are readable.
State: h=6 m=6
